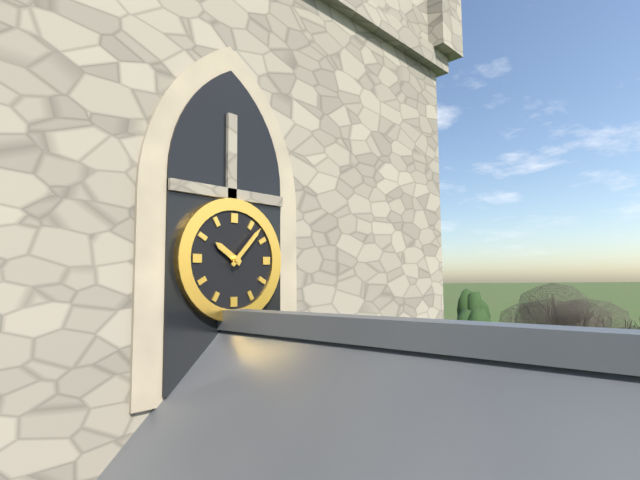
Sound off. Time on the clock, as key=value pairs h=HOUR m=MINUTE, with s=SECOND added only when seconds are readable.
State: h=10 m=7
